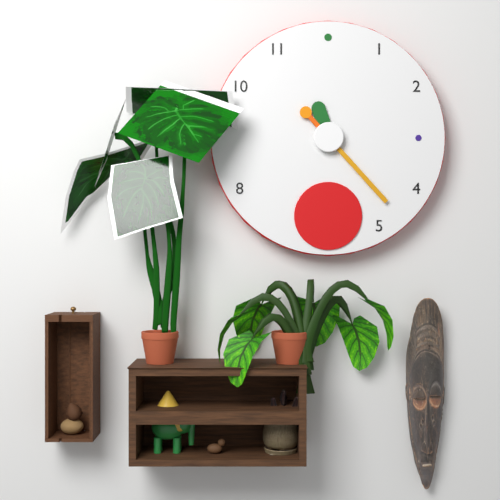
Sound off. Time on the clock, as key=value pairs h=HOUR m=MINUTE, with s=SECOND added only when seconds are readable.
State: h=11 m=23
